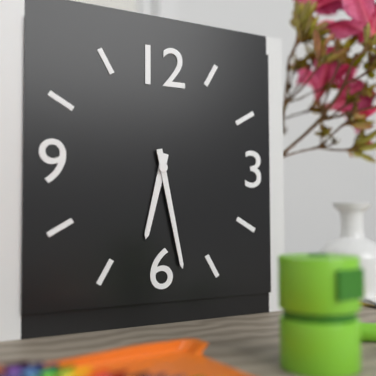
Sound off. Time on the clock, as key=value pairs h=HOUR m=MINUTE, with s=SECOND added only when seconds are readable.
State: h=6 m=28
